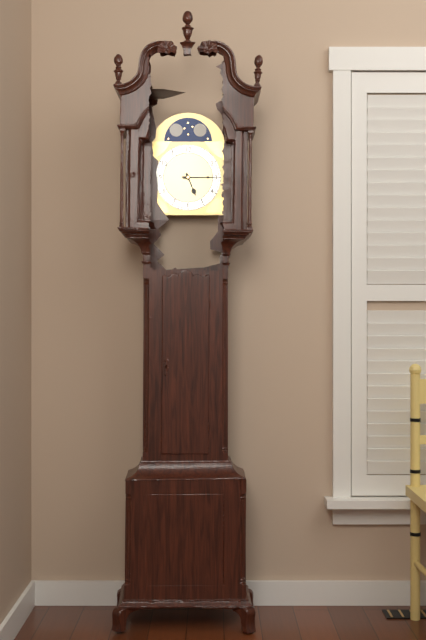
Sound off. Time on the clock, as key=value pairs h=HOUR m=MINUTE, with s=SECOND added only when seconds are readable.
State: h=5 m=15
